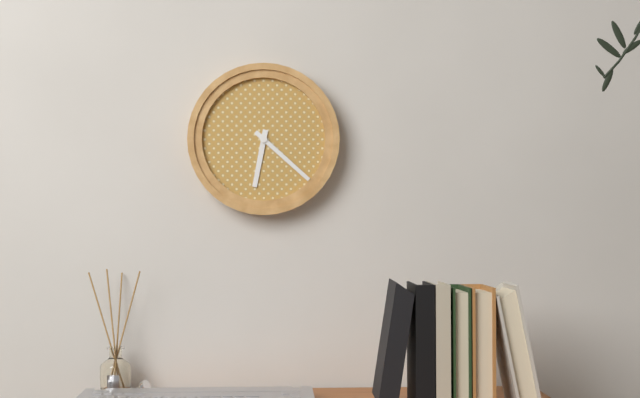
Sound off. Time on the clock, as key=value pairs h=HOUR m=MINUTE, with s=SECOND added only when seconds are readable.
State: h=6 m=22
